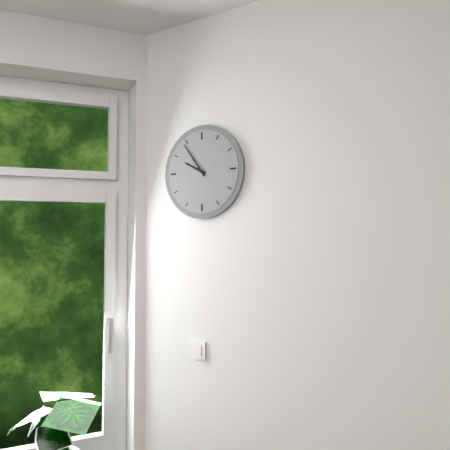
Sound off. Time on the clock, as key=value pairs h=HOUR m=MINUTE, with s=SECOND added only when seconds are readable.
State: h=9 m=54
